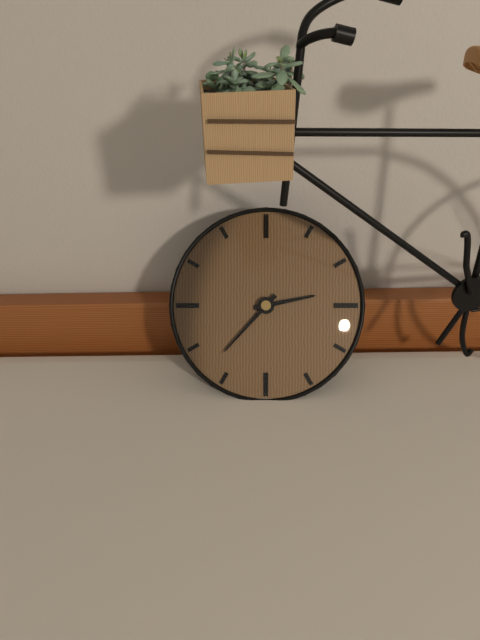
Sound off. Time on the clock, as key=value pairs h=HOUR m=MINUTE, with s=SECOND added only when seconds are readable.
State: h=2 m=37
